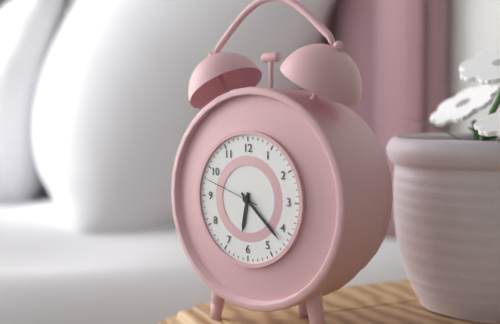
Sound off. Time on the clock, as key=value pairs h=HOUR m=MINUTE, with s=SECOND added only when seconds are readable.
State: h=6 m=22 s=48
